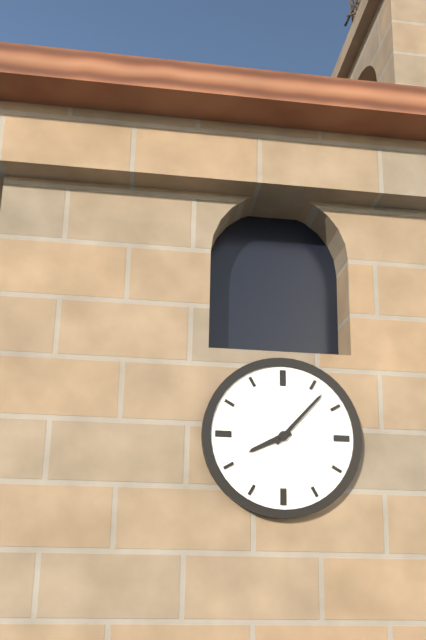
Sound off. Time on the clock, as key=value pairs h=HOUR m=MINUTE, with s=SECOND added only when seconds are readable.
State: h=8 m=7
